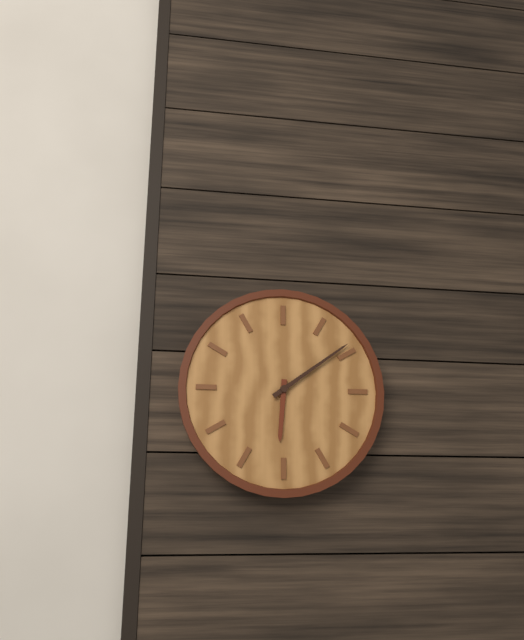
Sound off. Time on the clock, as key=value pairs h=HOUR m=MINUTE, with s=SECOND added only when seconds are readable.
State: h=6 m=9
